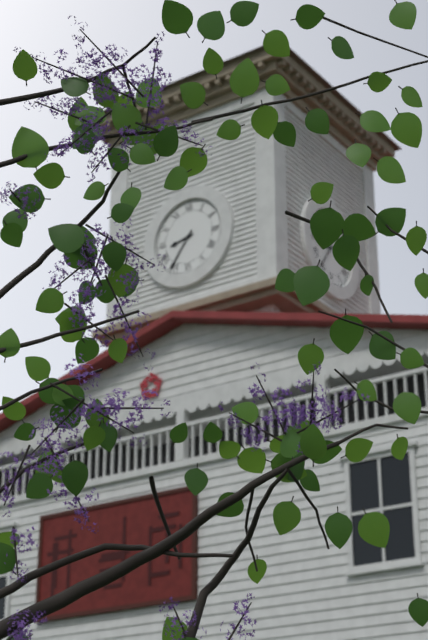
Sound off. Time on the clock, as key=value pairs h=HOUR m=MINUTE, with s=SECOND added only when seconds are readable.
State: h=8 m=36
